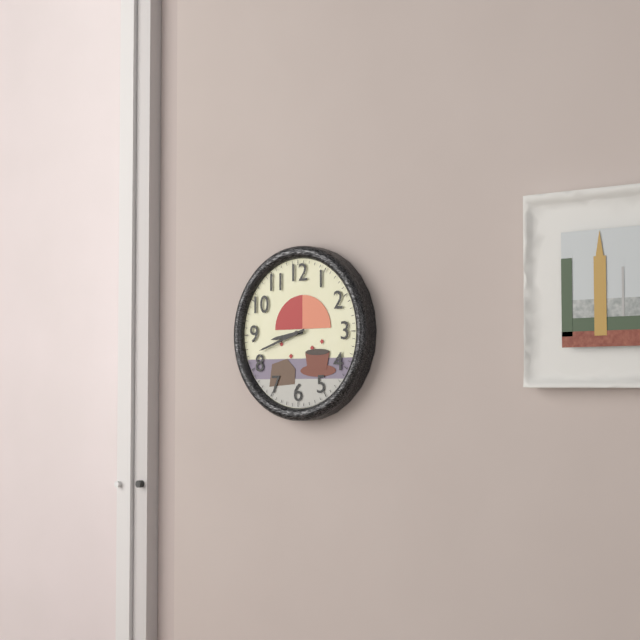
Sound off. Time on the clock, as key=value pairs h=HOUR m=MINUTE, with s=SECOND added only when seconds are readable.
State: h=8 m=42
